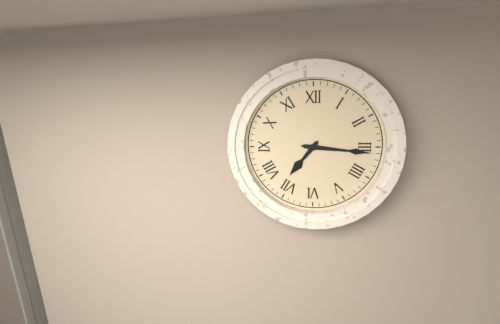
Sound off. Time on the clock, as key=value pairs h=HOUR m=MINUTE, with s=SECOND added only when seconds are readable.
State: h=7 m=16
